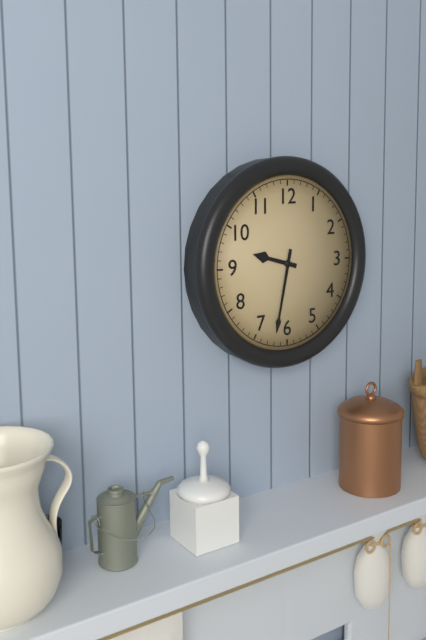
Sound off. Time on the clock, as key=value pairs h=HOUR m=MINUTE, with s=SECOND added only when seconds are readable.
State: h=9 m=32
